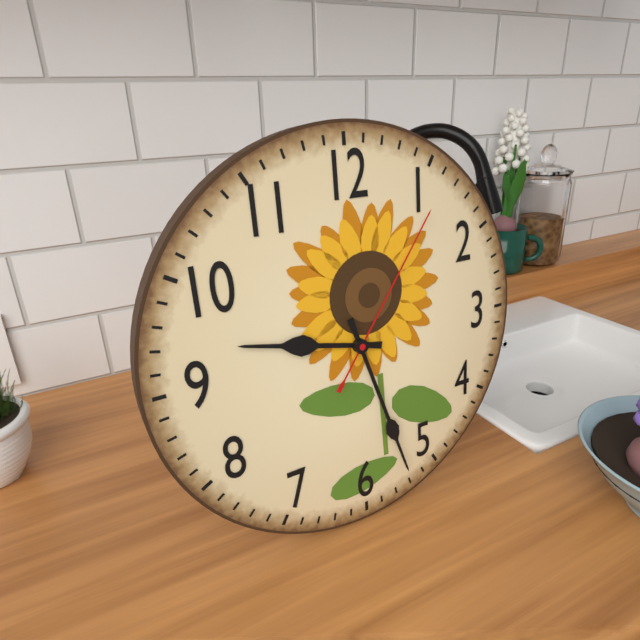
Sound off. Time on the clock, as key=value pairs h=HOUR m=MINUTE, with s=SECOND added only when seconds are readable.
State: h=9 m=27 s=6
